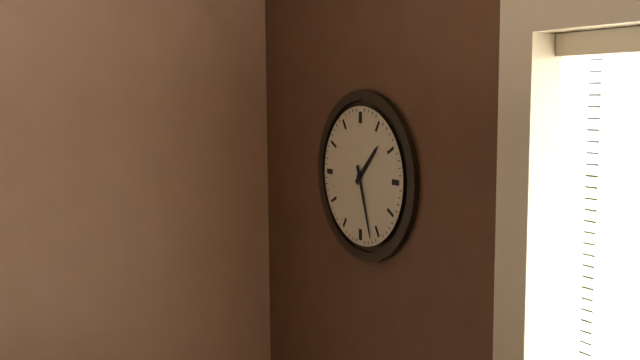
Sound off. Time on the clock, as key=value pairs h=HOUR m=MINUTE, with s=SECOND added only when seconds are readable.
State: h=1 m=27
